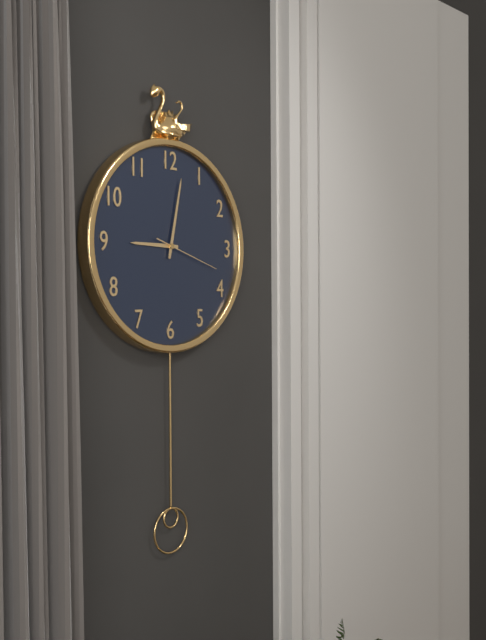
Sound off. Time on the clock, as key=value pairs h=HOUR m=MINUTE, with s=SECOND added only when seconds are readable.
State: h=9 m=2 s=18
